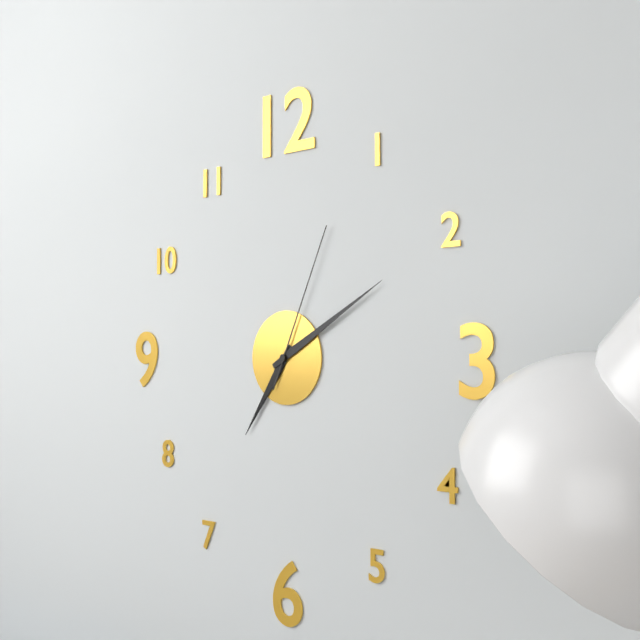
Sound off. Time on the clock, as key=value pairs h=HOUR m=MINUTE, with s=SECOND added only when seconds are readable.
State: h=7 m=10 s=4
